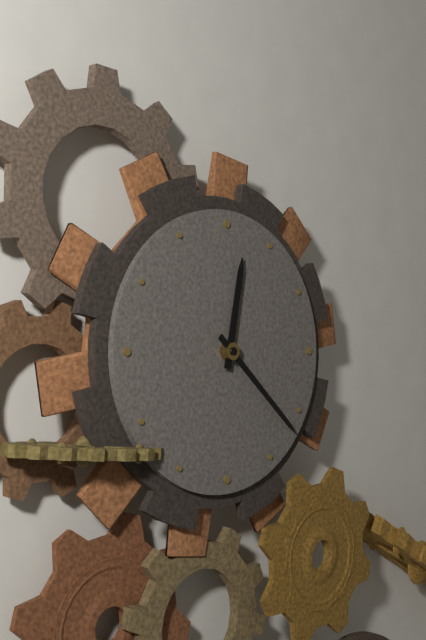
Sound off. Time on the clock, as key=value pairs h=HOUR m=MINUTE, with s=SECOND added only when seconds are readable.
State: h=12 m=22
